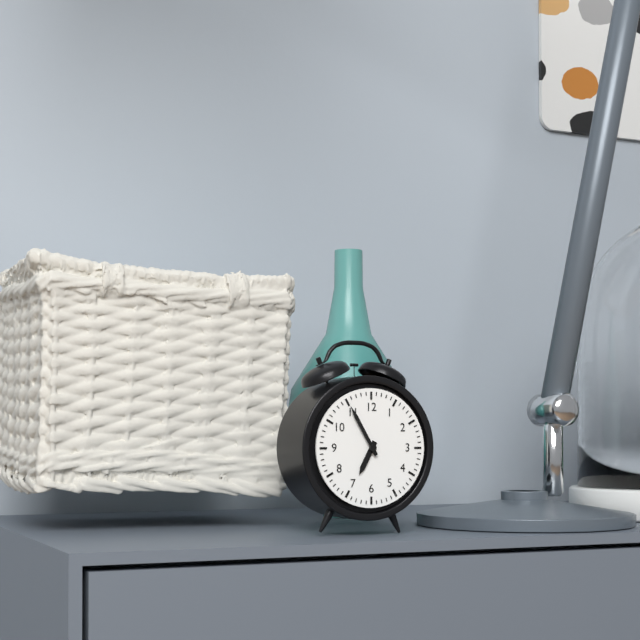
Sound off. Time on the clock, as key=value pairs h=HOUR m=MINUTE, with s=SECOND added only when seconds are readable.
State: h=6 m=55
